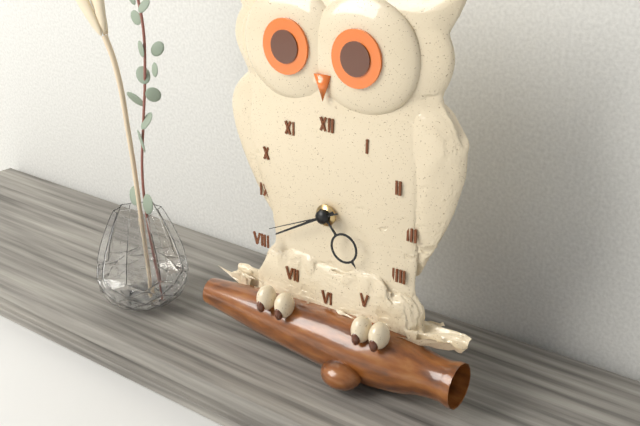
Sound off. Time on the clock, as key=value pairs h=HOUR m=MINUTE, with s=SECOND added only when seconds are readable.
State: h=4 m=40 s=41
